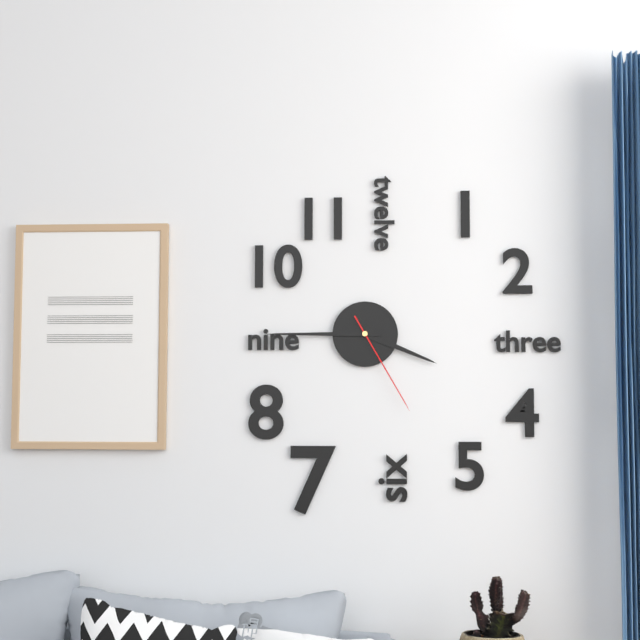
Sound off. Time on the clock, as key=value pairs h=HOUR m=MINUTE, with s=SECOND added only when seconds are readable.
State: h=3 m=45 s=25
